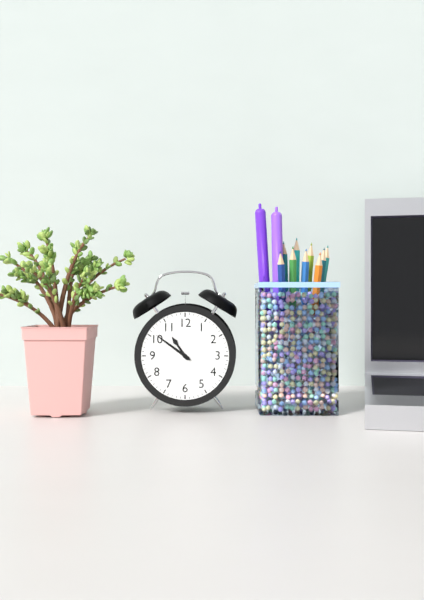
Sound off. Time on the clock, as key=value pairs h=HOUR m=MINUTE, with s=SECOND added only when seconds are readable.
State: h=10 m=51
